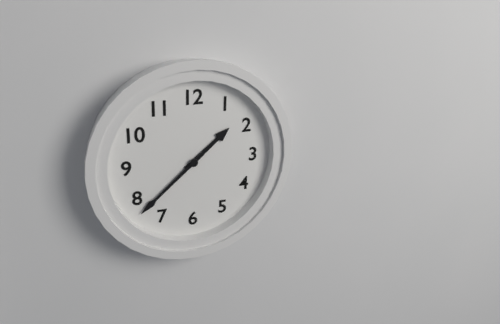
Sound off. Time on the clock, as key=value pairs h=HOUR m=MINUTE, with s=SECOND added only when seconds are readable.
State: h=1 m=38
